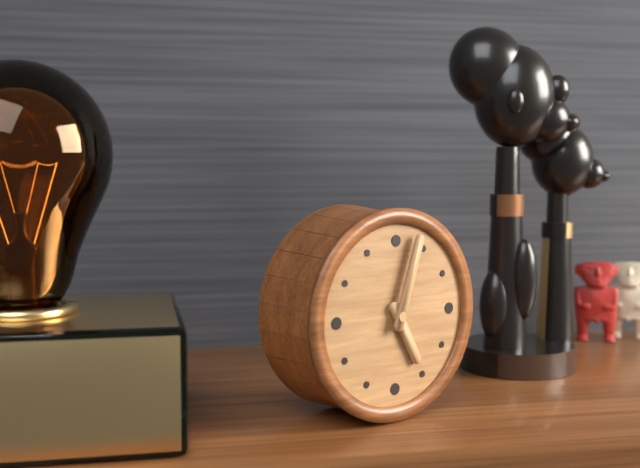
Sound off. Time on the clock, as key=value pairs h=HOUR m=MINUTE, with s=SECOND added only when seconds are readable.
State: h=5 m=3
